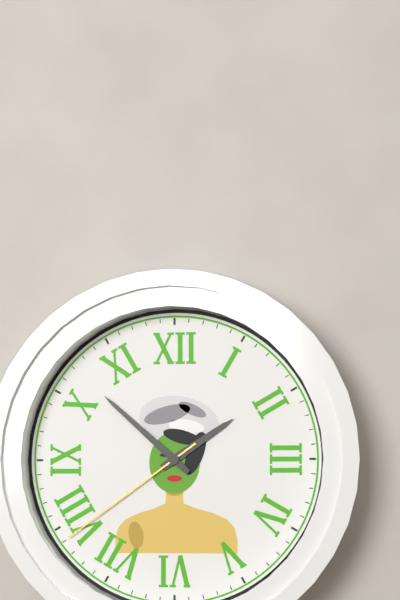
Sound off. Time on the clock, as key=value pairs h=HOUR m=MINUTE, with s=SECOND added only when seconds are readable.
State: h=1 m=52 s=39
